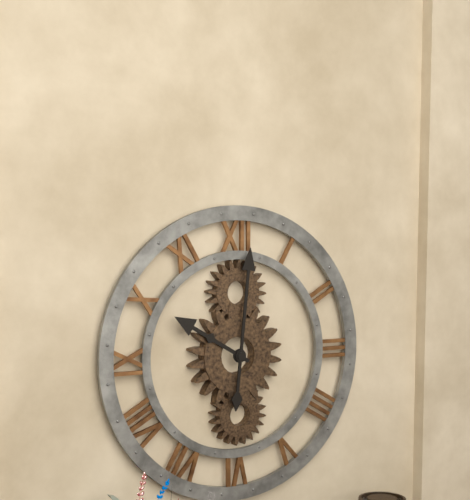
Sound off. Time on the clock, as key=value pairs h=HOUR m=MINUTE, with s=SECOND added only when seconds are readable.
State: h=10 m=1
